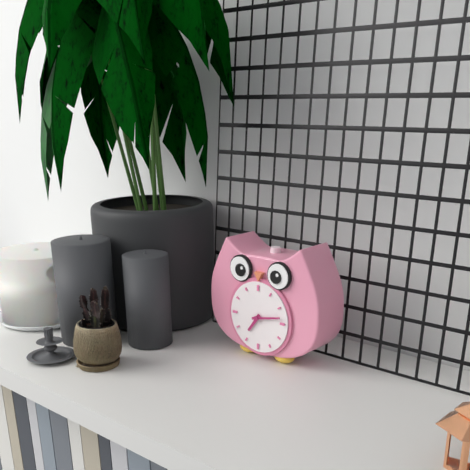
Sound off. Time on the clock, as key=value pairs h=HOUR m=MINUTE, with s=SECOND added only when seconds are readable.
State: h=7 m=13
